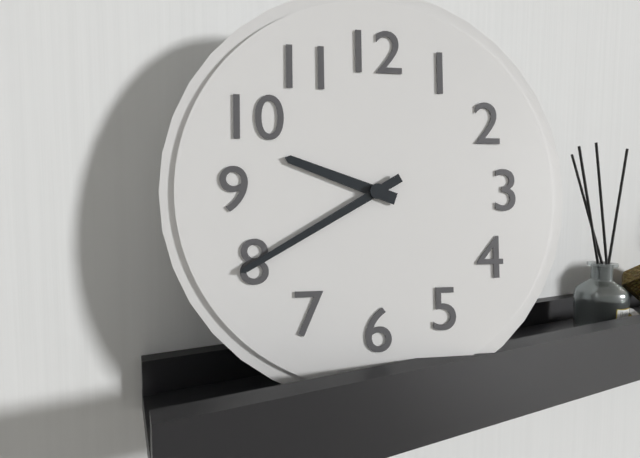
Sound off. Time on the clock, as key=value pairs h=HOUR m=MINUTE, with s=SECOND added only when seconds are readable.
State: h=9 m=40
